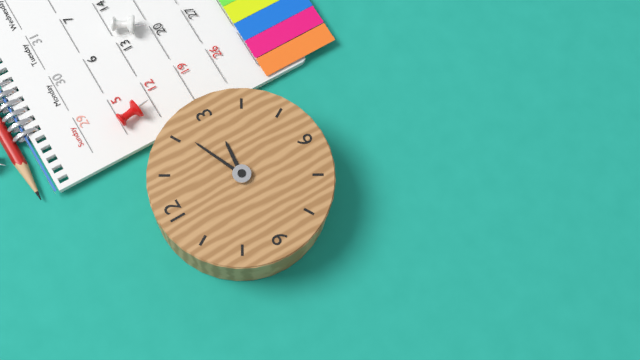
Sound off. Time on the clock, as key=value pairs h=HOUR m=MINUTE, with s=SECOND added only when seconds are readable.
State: h=3 m=11
